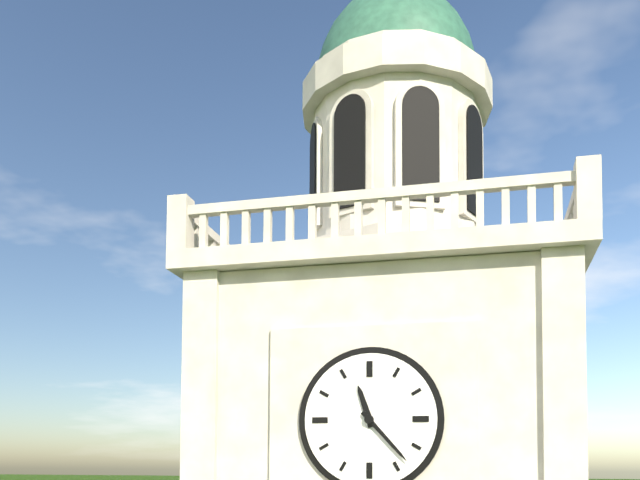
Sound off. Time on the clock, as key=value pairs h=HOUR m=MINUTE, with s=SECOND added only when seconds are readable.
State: h=11 m=23
